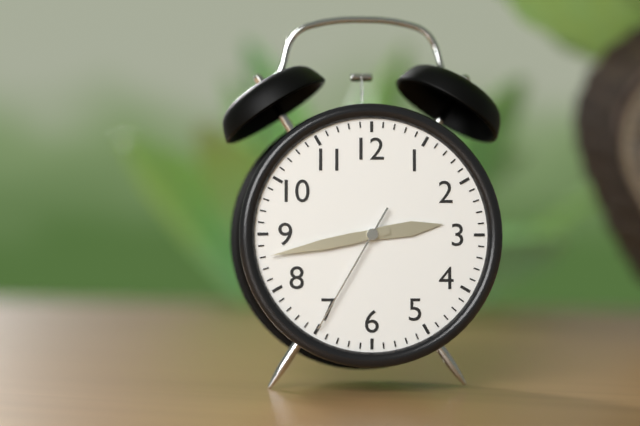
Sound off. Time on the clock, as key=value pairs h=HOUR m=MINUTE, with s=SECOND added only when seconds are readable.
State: h=2 m=43 s=35
